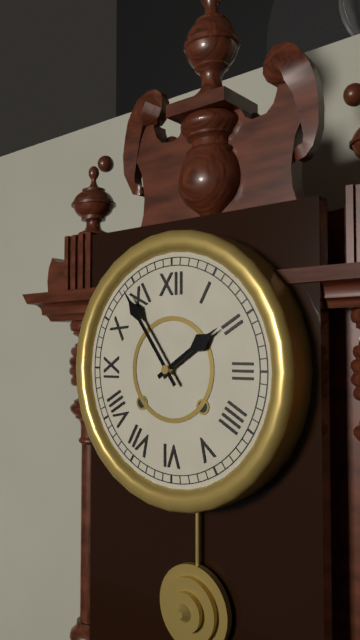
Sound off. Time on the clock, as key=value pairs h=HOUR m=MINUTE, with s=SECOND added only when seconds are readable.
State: h=1 m=54
